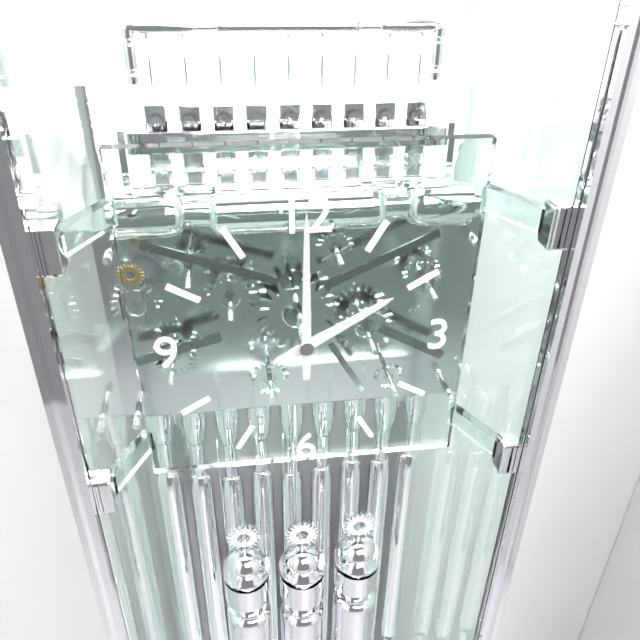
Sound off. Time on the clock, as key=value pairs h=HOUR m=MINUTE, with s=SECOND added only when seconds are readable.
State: h=2 m=0
